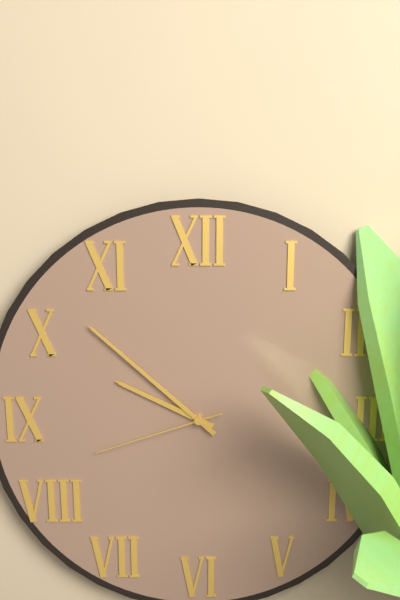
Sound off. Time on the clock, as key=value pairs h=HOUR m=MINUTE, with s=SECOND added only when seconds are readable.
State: h=9 m=52 s=42
